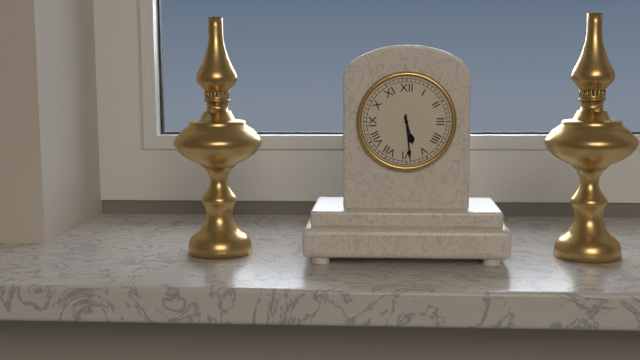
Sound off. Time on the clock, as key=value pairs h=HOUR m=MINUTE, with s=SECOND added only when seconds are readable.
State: h=5 m=29
